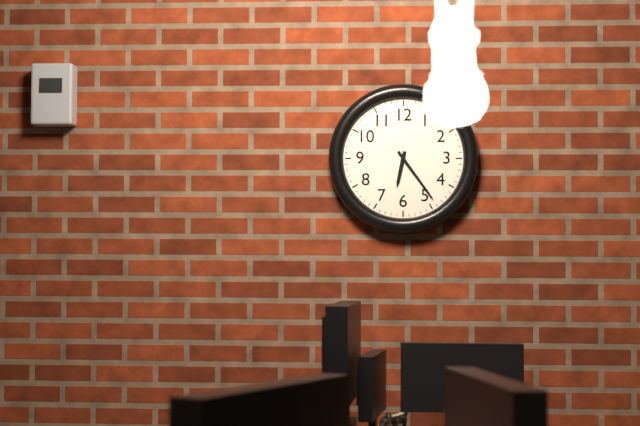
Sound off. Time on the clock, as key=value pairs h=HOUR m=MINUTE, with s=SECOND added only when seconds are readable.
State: h=6 m=24
